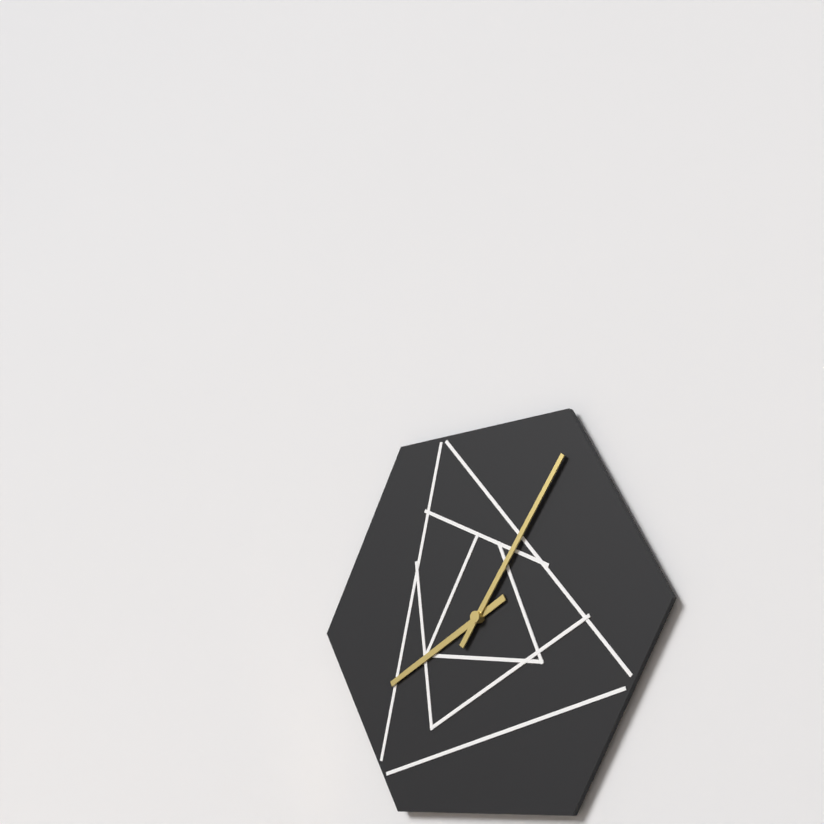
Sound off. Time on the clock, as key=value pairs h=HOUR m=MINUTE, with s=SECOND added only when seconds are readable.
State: h=8 m=6
